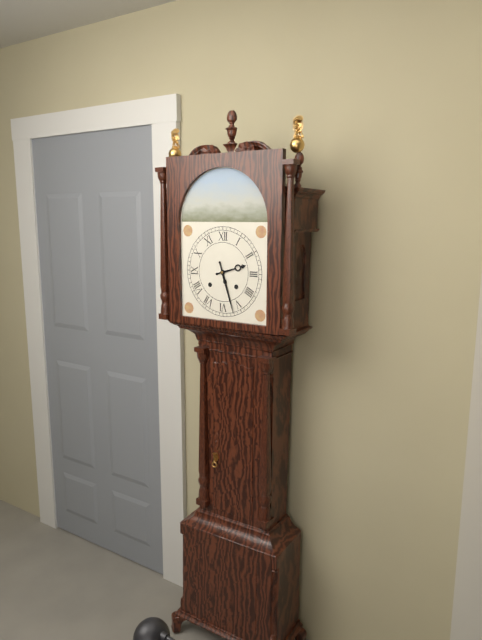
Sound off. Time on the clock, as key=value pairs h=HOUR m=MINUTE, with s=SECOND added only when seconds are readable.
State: h=2 m=27
